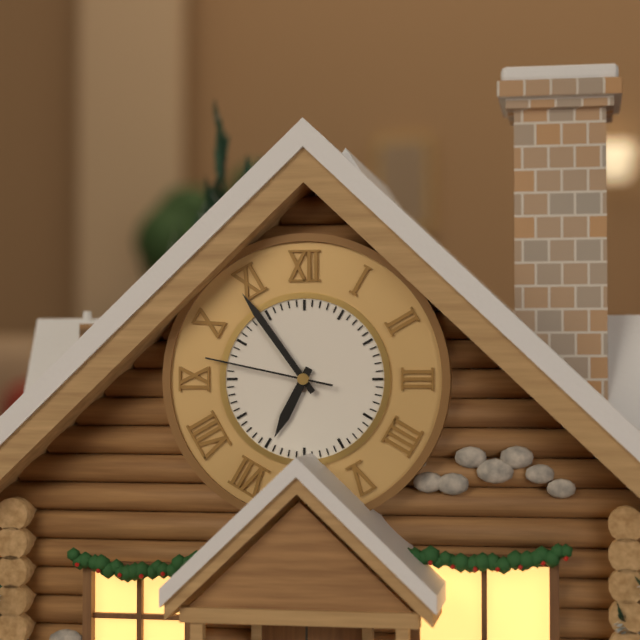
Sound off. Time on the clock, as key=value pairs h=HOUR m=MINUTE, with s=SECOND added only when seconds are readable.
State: h=6 m=54 s=47
